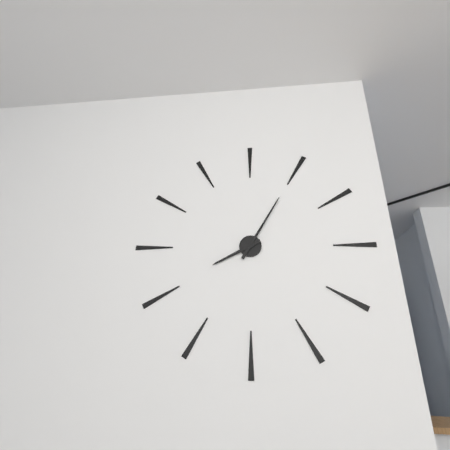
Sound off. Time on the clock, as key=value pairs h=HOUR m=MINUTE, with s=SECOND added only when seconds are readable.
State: h=8 m=5
